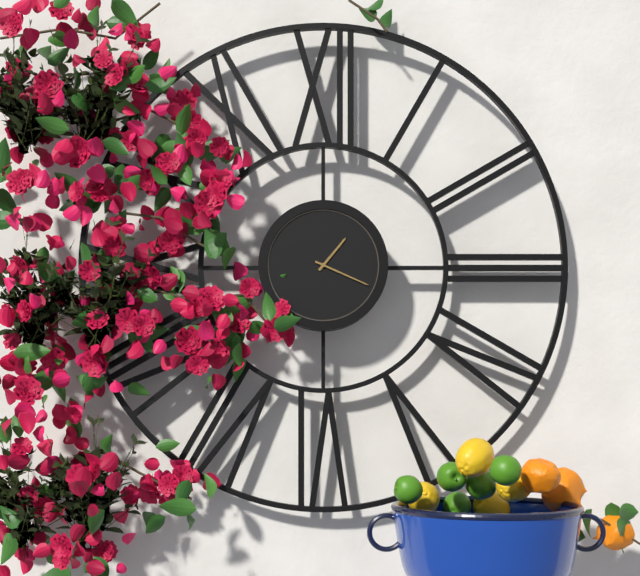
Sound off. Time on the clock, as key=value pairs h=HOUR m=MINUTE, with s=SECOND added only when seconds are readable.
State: h=1 m=19
